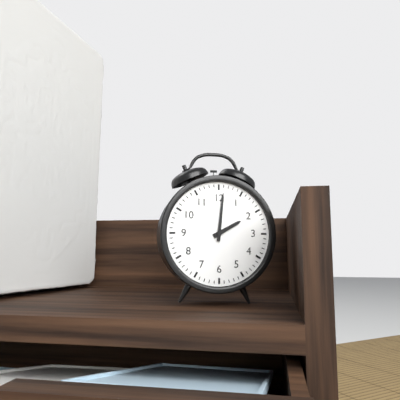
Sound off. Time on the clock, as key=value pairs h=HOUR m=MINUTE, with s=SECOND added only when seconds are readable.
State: h=2 m=1
